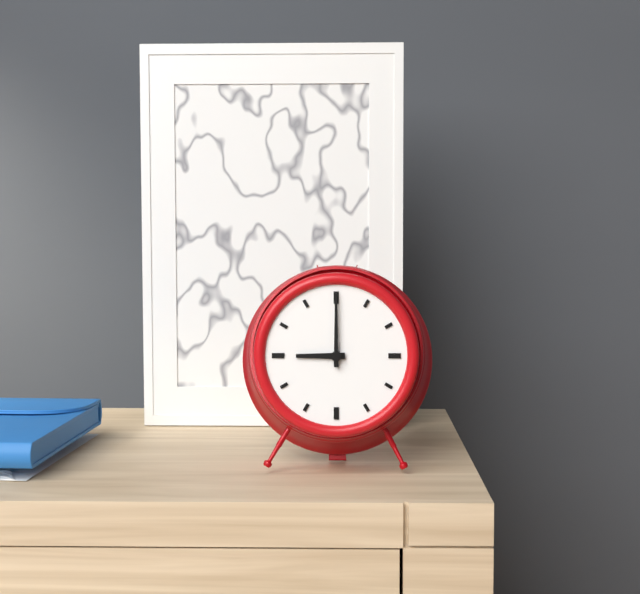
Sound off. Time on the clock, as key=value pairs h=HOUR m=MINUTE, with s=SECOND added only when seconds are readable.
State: h=9 m=0
